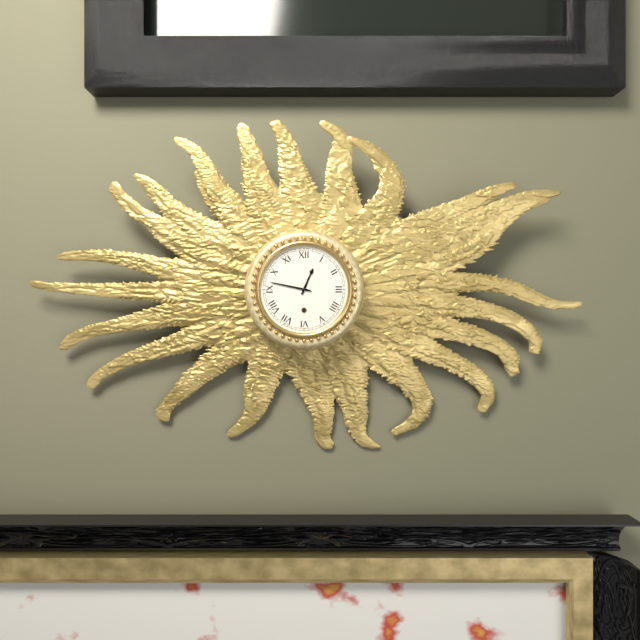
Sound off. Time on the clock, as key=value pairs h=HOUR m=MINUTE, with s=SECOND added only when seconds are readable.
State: h=12 m=47
